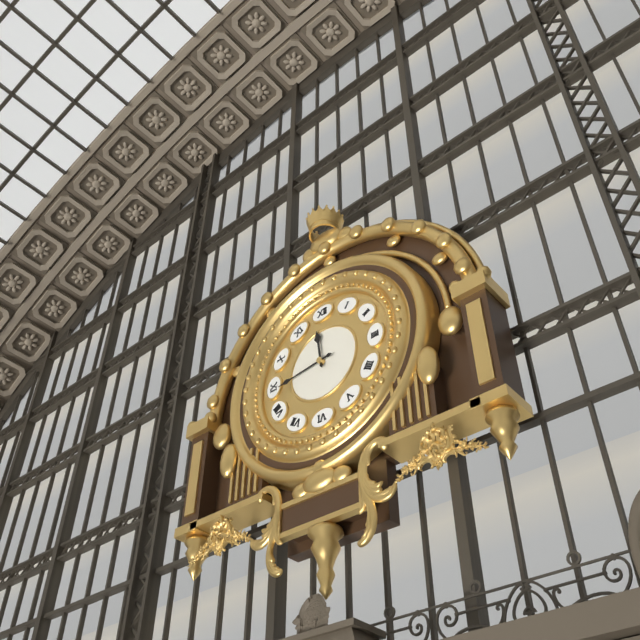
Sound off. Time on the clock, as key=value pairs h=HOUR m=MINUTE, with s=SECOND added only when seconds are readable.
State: h=11 m=44
